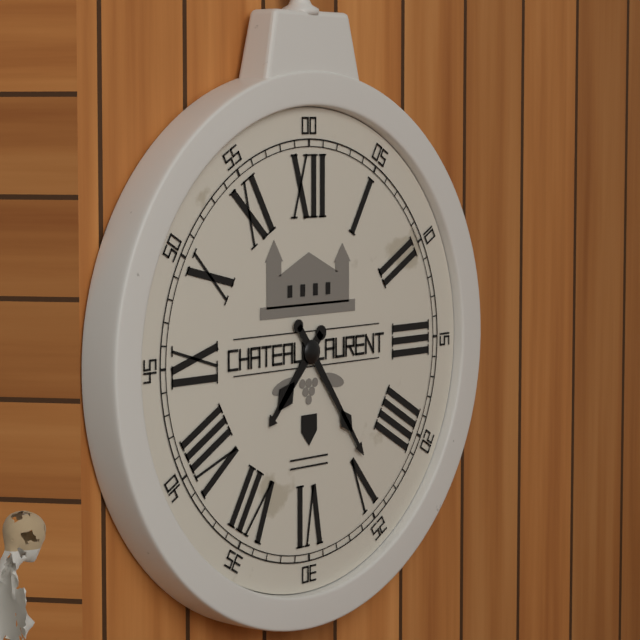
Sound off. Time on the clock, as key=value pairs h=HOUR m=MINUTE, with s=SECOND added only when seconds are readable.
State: h=7 m=24
